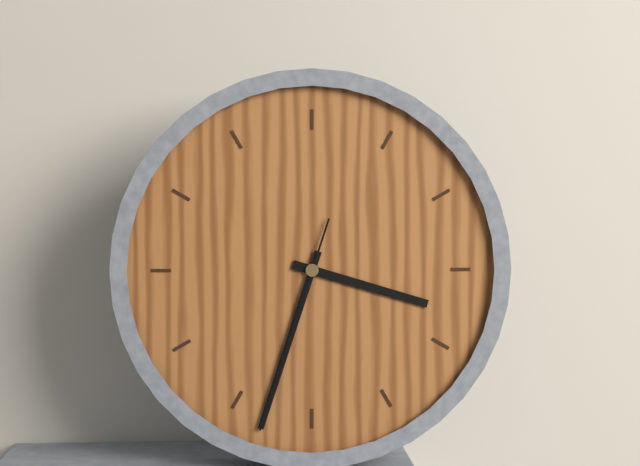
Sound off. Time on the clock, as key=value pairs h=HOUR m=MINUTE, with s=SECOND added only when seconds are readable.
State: h=3 m=33 s=33
